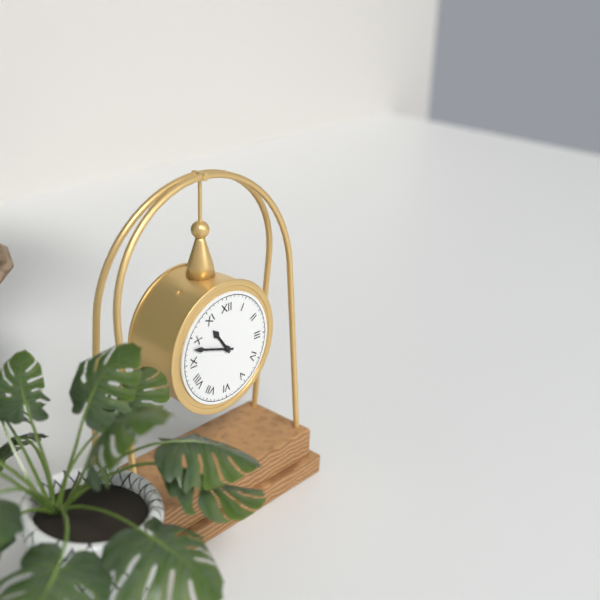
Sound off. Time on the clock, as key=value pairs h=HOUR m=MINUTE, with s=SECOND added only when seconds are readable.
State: h=10 m=48
